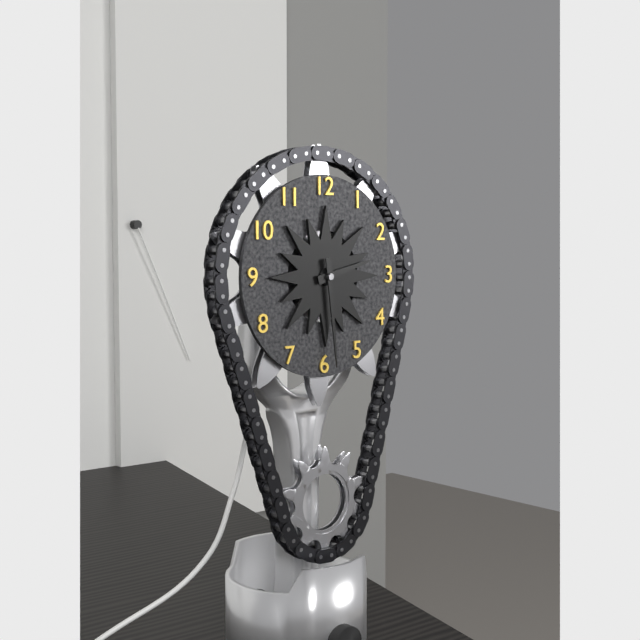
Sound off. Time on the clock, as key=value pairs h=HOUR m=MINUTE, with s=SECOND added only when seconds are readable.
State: h=2 m=29
